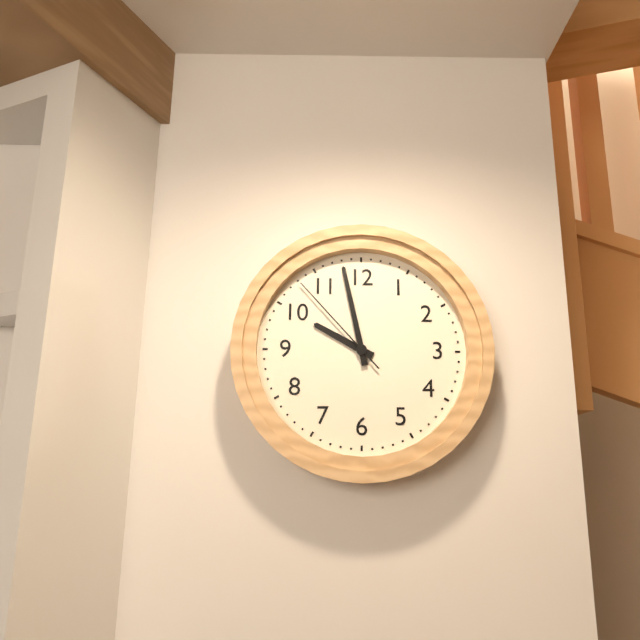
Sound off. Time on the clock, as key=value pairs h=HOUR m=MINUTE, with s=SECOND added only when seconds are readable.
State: h=9 m=58 s=53
